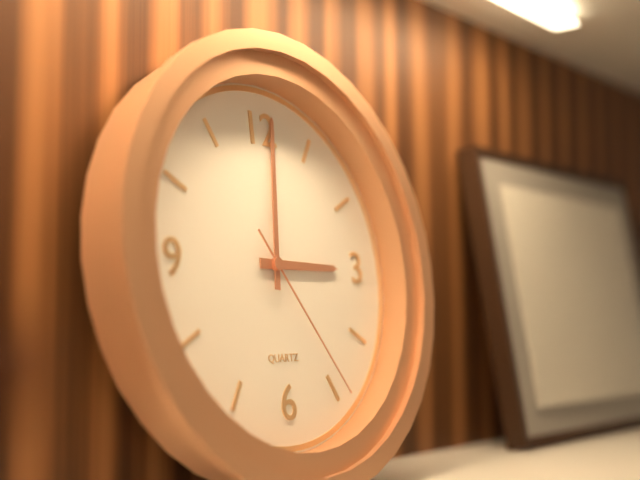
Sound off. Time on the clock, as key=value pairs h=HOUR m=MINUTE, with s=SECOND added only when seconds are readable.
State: h=3 m=1 s=24
